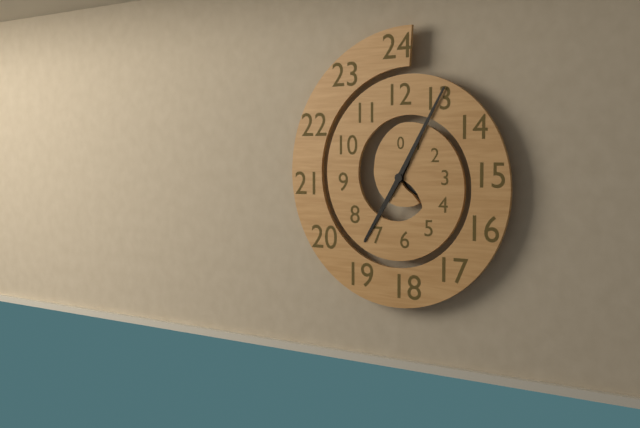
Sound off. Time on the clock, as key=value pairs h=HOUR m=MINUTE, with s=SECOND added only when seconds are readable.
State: h=7 m=5
